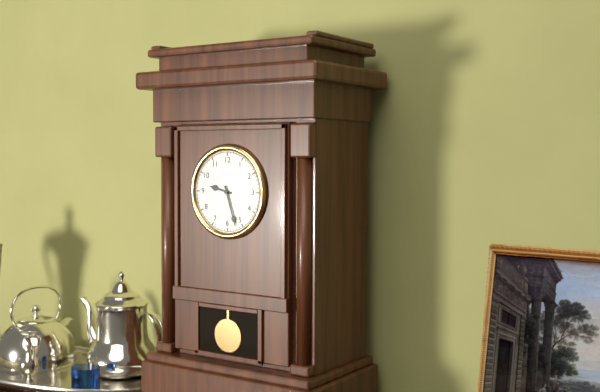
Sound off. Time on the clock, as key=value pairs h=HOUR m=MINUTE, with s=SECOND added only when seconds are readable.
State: h=9 m=27
